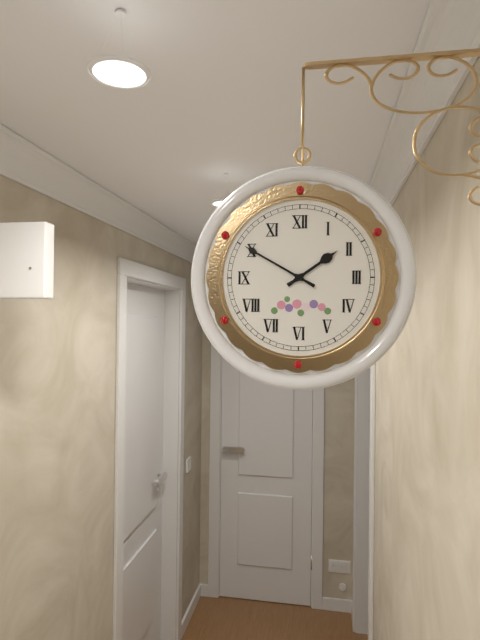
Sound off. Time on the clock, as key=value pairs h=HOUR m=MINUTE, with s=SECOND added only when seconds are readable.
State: h=1 m=50
